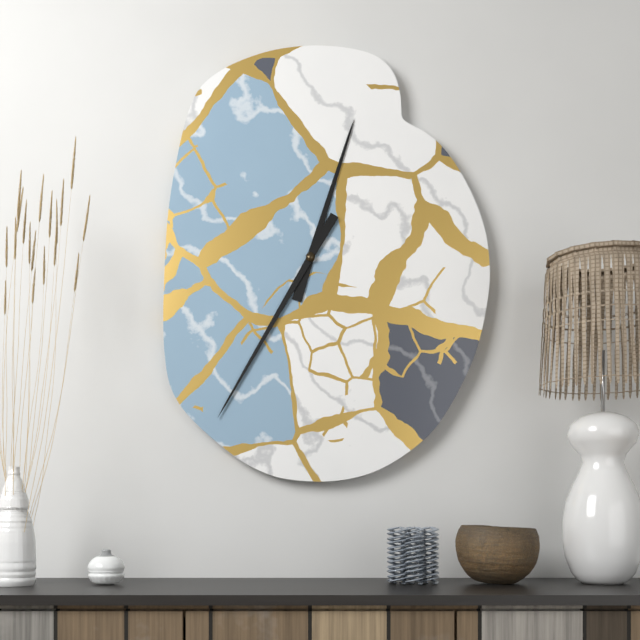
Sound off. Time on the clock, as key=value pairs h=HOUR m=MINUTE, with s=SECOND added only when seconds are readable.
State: h=12 m=35
